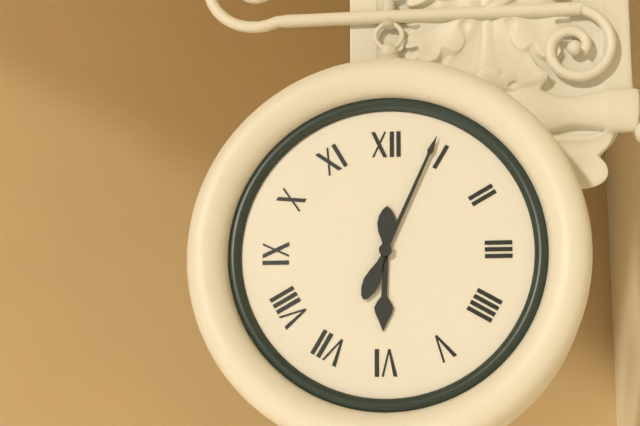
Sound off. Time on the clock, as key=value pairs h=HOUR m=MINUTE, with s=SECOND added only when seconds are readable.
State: h=6 m=4
